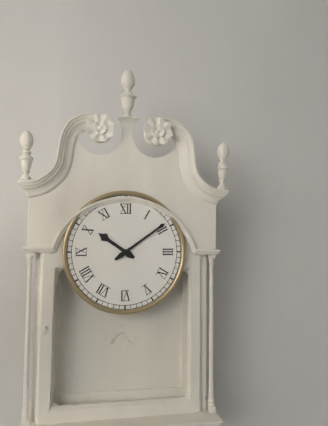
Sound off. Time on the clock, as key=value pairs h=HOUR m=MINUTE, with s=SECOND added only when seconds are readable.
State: h=10 m=9
